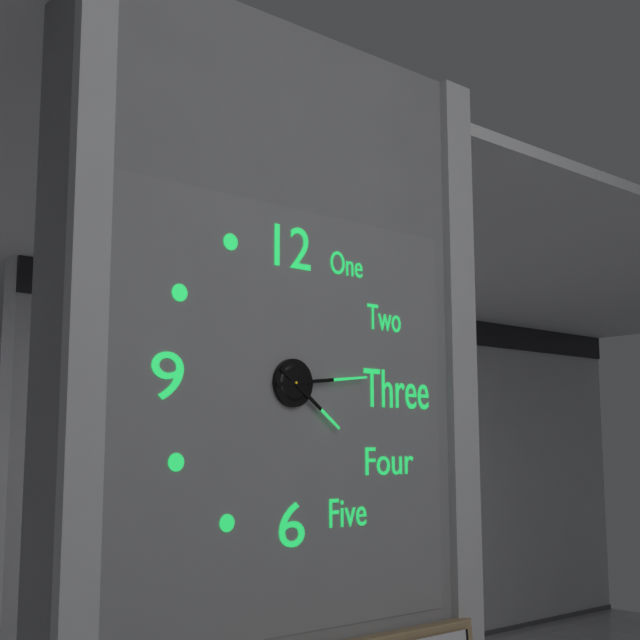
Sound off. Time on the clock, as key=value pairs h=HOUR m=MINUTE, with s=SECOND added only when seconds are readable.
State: h=4 m=14
